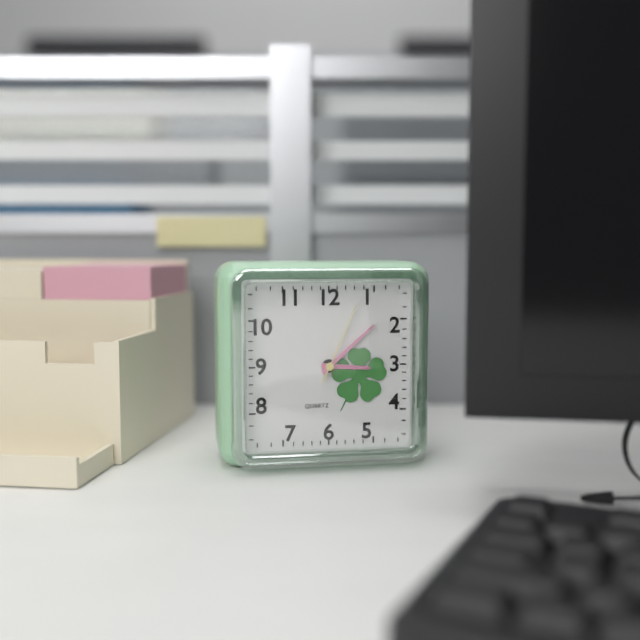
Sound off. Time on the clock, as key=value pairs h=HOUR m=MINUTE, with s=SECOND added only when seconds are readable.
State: h=3 m=8 s=4
